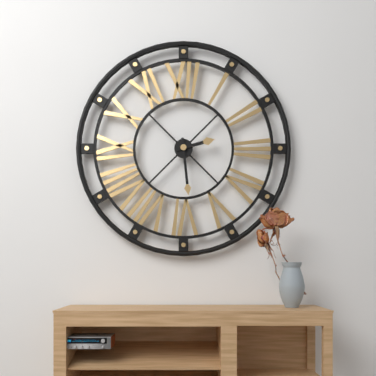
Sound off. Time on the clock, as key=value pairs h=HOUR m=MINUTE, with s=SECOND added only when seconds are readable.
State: h=2 m=29
